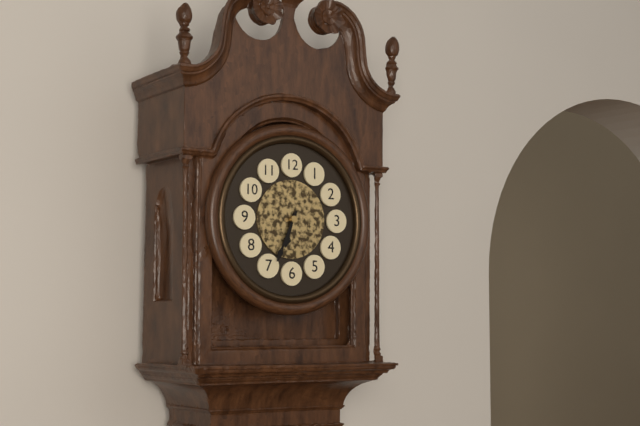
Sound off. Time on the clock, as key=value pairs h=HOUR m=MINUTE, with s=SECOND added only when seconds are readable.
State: h=6 m=34
